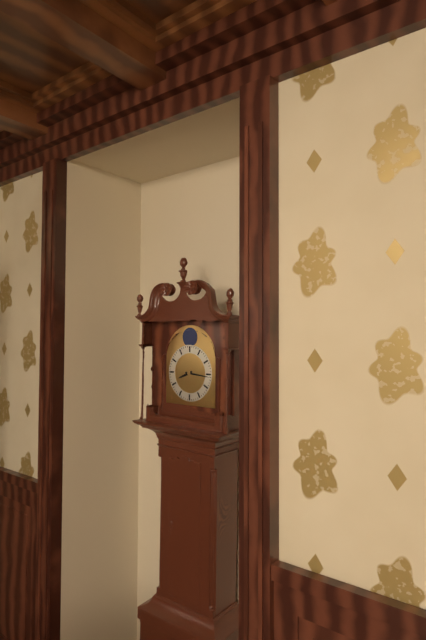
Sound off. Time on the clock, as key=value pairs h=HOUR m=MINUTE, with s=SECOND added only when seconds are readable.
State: h=8 m=16
